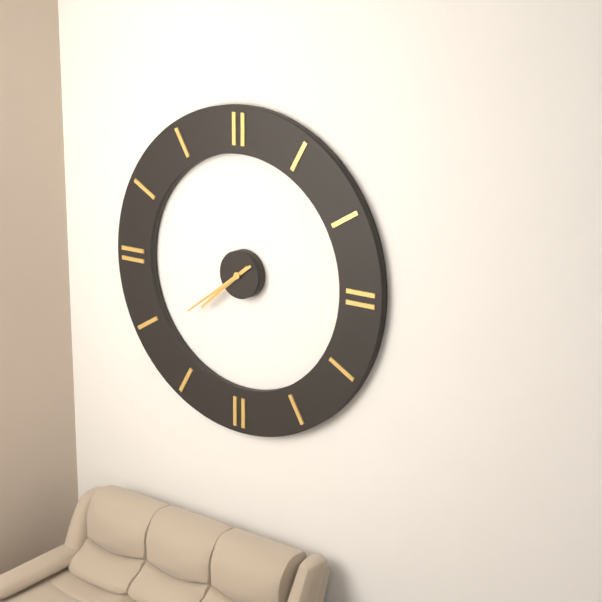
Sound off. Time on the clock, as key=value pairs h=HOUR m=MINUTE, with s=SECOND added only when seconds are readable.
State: h=7 m=39
